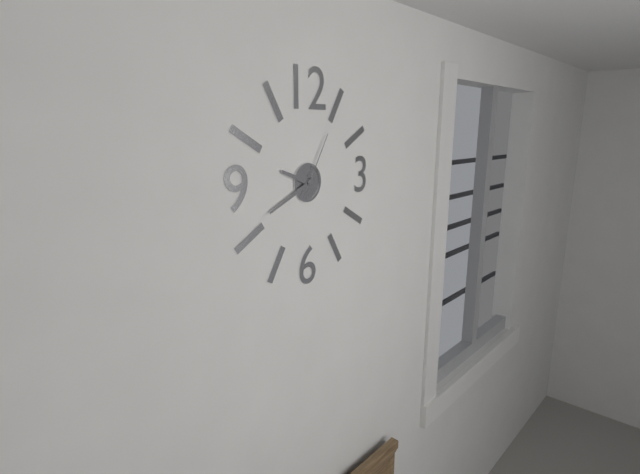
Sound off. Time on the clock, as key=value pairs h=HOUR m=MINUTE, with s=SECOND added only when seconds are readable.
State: h=9 m=41 s=5
